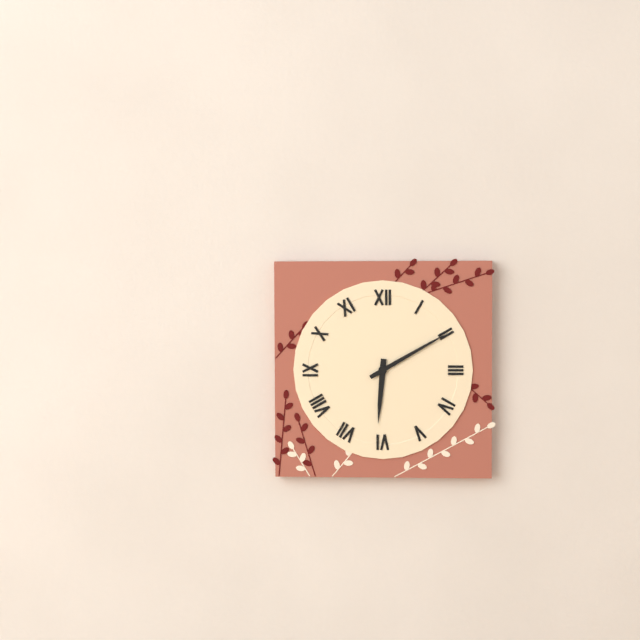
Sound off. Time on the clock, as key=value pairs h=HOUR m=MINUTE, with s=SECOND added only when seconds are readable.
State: h=6 m=10
